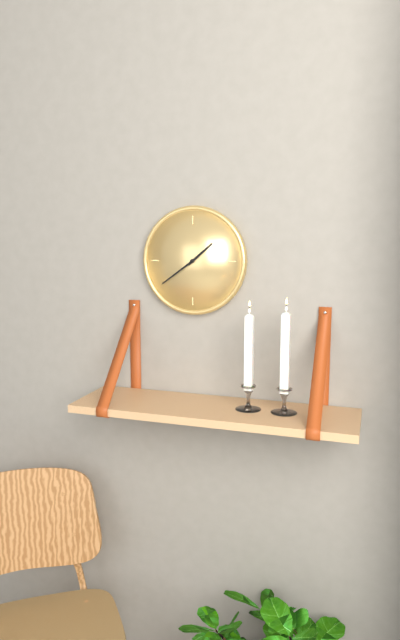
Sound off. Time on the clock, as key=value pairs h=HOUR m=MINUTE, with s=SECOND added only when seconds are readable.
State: h=1 m=39
